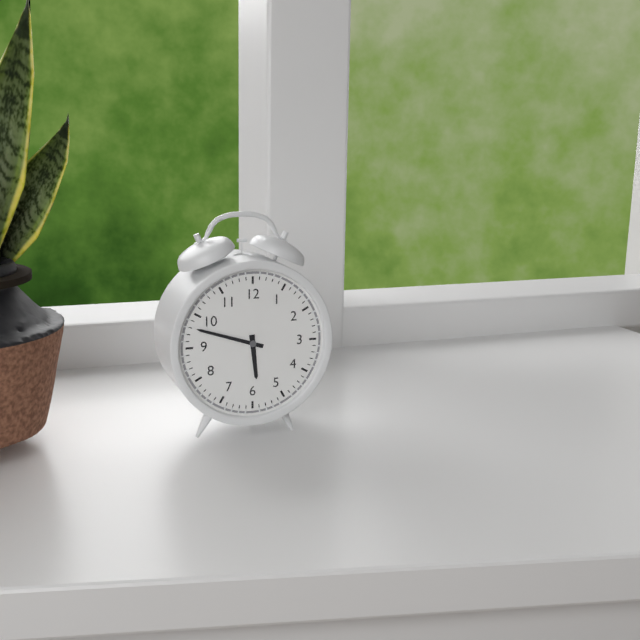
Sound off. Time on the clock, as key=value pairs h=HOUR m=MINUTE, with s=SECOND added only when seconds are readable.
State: h=5 m=48
